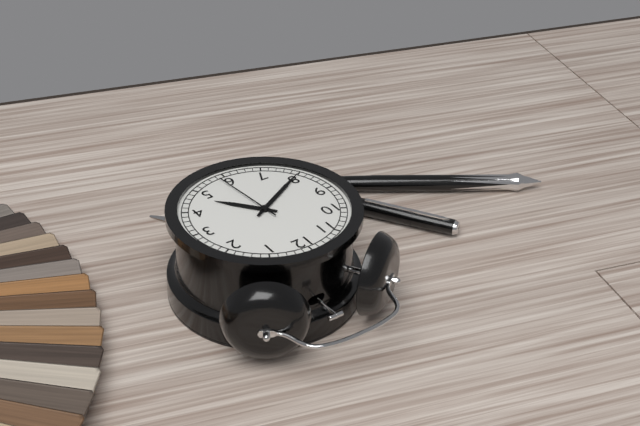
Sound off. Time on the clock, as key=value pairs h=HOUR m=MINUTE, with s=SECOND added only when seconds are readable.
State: h=4 m=40 s=29
